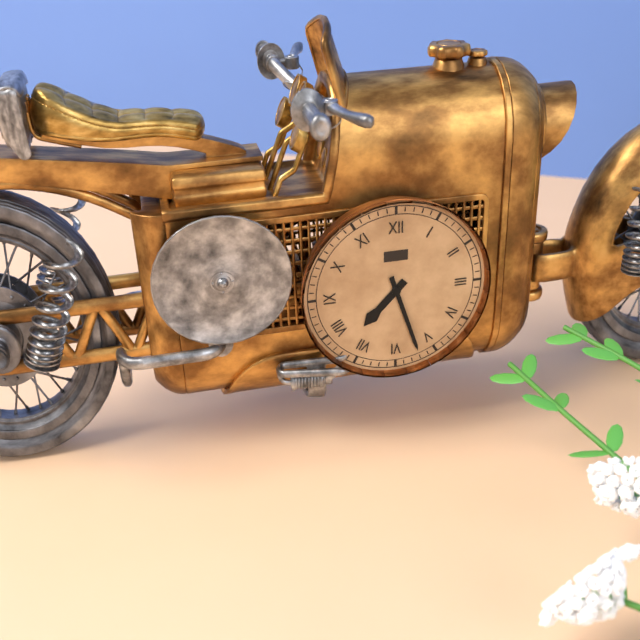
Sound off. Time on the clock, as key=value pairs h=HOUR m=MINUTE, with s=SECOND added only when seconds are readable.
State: h=7 m=27
